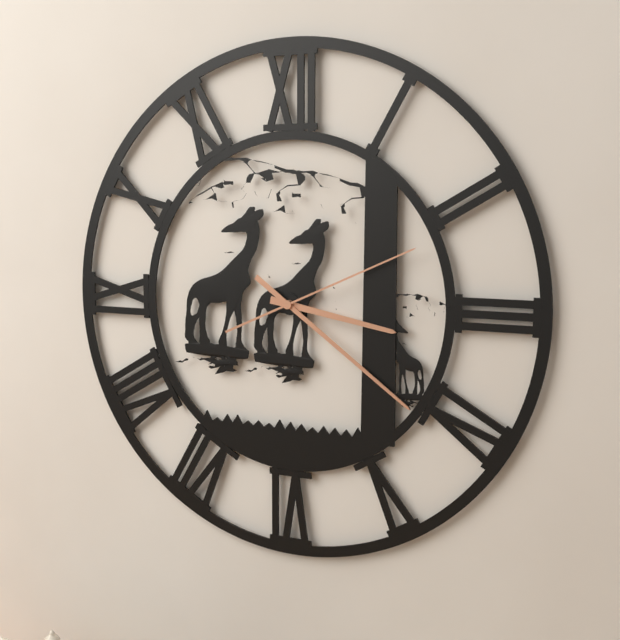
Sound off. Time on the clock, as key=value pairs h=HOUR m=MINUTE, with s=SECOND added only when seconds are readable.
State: h=3 m=21 s=11
